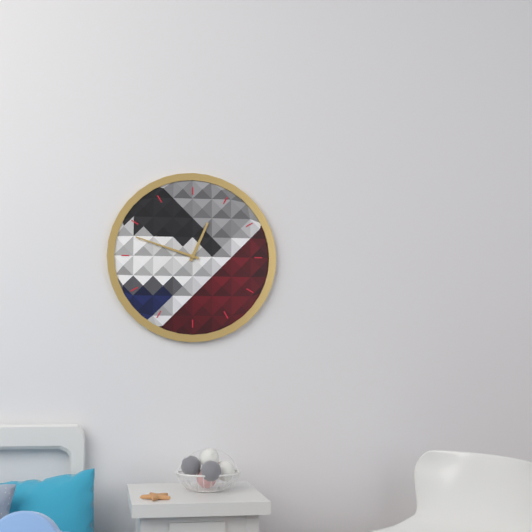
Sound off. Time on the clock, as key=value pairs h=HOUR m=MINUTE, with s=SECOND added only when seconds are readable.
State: h=12 m=48
